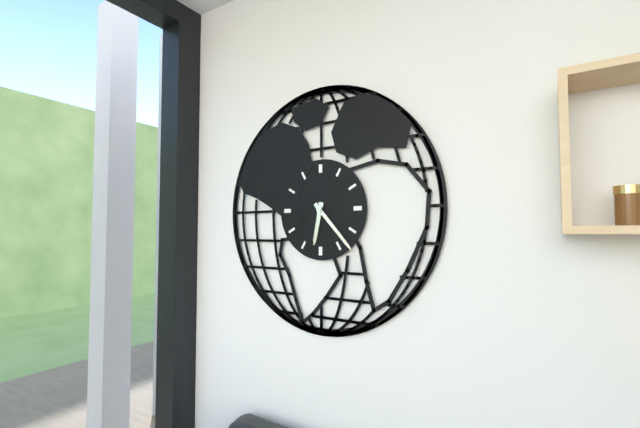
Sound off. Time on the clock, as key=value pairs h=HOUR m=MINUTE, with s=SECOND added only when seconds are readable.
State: h=6 m=23
